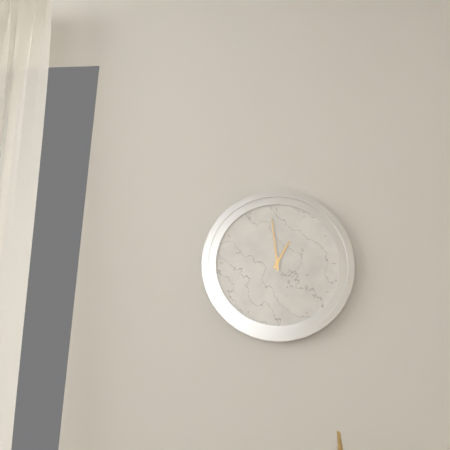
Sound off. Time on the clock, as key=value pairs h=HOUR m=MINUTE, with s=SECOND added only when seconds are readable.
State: h=12 m=59
